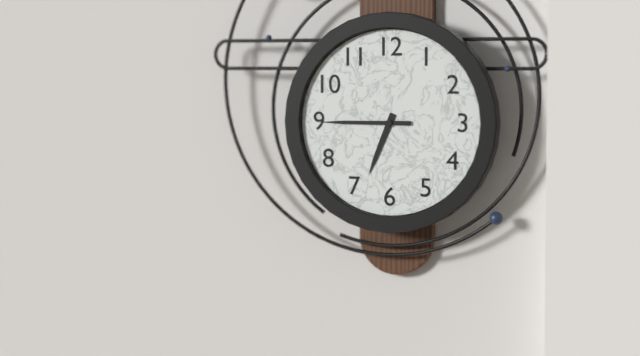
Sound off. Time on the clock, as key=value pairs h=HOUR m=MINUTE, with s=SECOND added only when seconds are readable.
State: h=6 m=45
